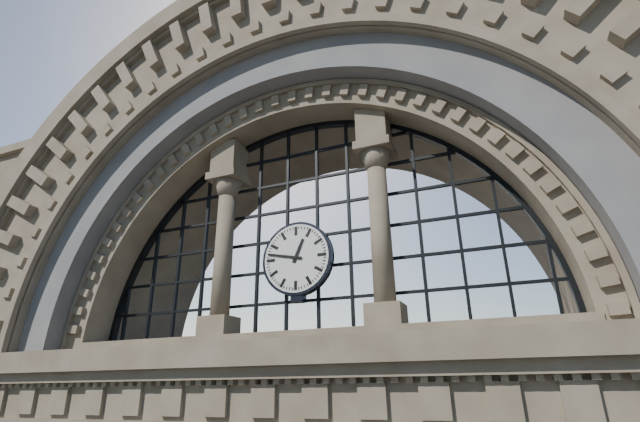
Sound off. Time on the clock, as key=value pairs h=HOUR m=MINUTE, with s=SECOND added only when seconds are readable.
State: h=12 m=47
